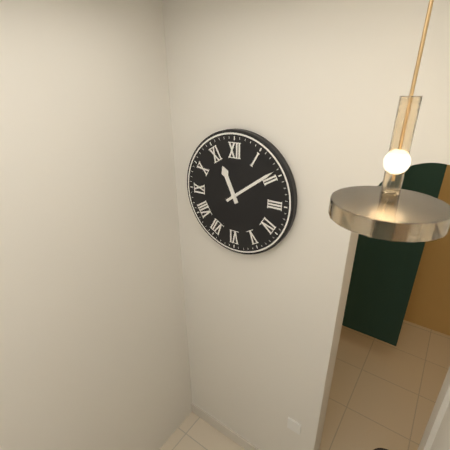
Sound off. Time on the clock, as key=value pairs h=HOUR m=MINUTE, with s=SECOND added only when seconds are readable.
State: h=11 m=9
